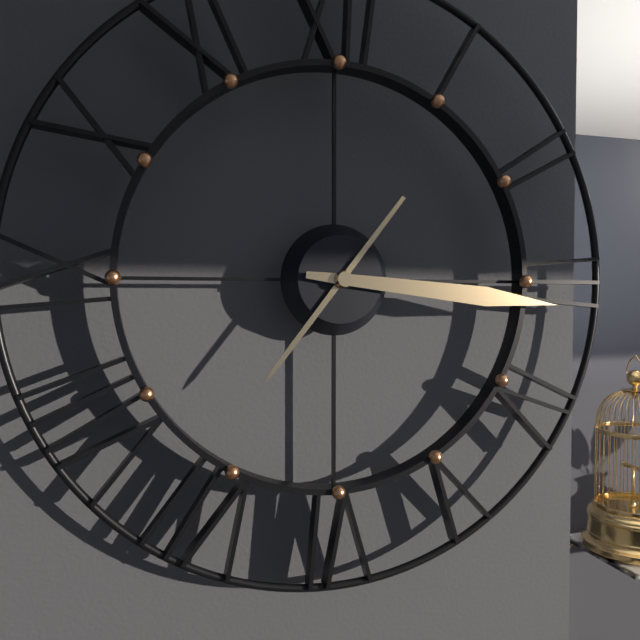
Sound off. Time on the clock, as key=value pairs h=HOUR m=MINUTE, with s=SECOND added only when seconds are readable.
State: h=7 m=16
